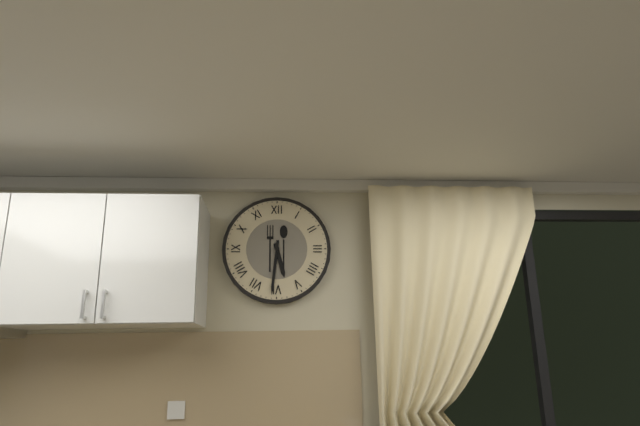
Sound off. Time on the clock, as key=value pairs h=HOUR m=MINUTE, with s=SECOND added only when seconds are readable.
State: h=5 m=31
